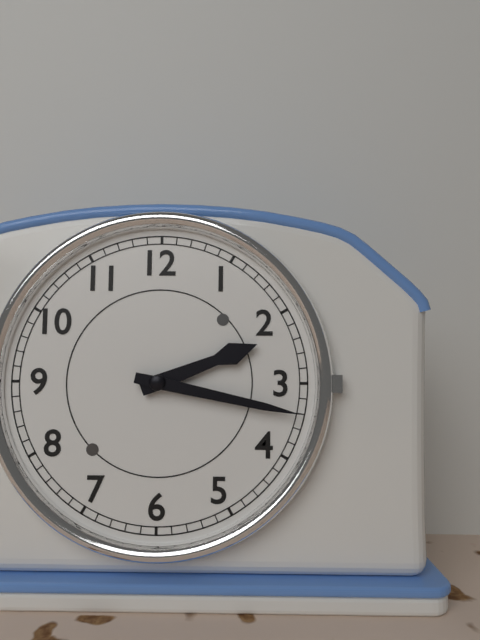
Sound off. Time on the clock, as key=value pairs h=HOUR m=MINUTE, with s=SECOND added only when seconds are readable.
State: h=2 m=17
